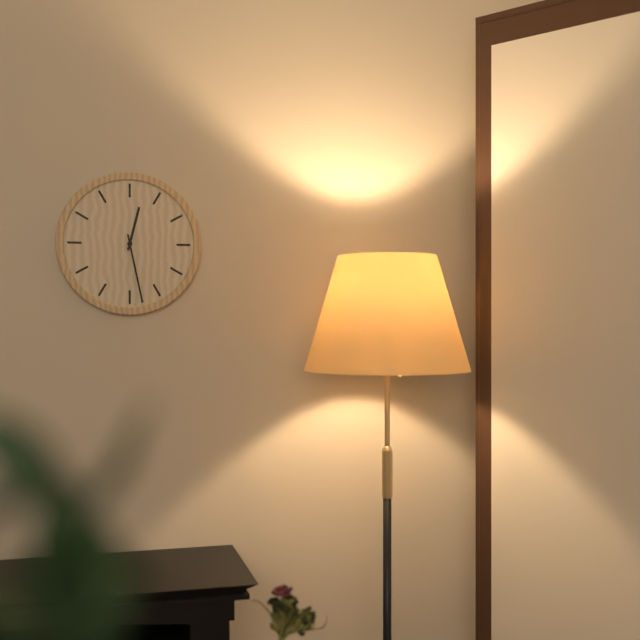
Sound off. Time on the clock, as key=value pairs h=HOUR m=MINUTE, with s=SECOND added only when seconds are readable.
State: h=12 m=28
